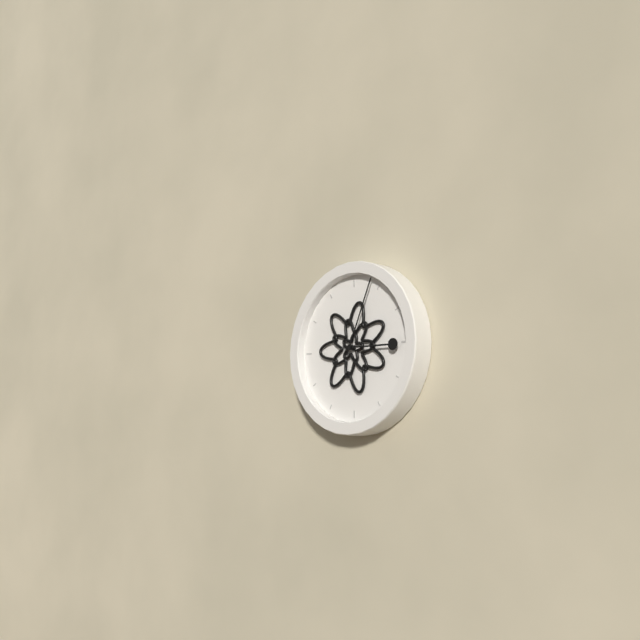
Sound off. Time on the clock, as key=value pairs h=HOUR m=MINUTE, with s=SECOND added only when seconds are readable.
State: h=3 m=4
